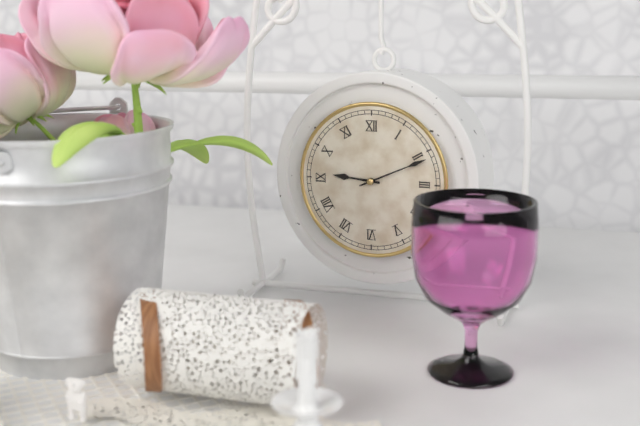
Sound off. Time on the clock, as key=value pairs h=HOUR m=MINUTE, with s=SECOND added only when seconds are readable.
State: h=9 m=11
